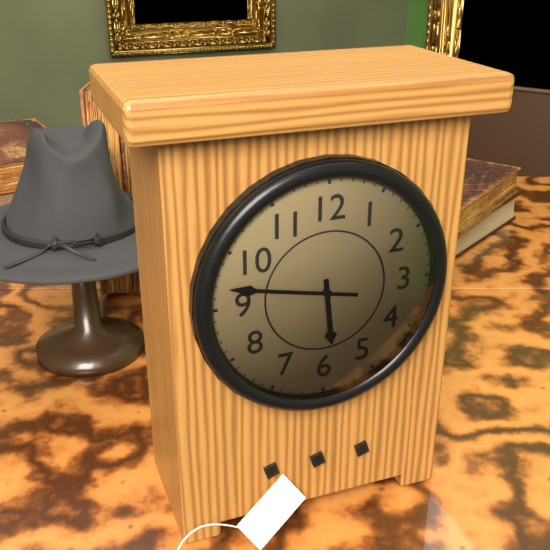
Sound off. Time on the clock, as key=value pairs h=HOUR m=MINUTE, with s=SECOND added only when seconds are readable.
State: h=5 m=47
